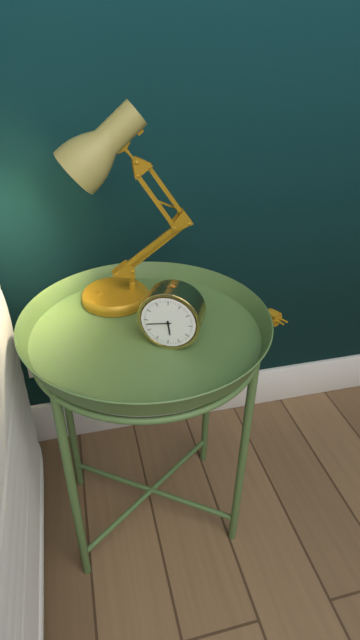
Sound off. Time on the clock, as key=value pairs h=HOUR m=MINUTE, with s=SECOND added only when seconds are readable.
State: h=5 m=43
